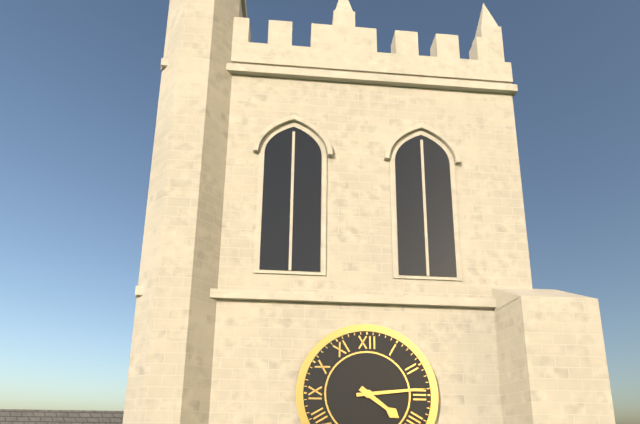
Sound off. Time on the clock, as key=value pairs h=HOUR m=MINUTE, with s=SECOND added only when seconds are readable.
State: h=4 m=14
